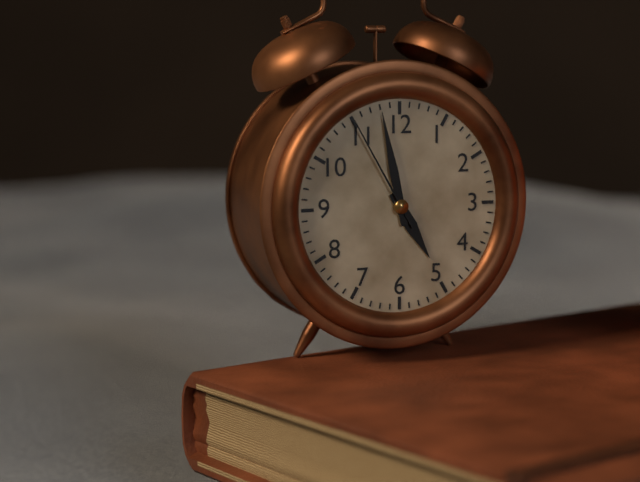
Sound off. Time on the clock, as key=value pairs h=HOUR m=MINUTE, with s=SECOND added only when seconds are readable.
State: h=4 m=58 s=55
